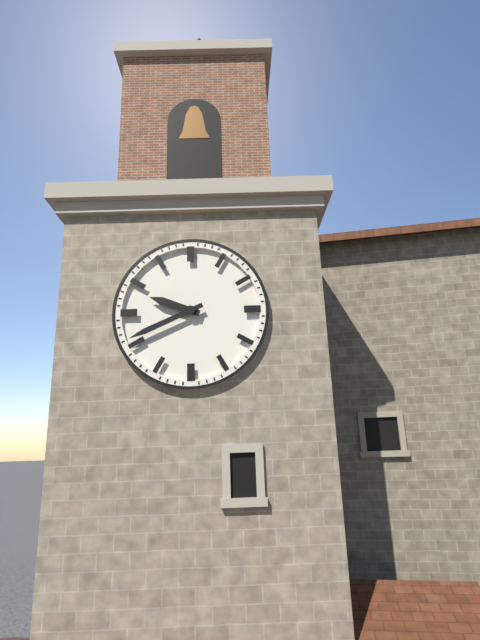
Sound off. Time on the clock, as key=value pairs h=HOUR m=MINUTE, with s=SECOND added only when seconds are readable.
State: h=9 m=41
